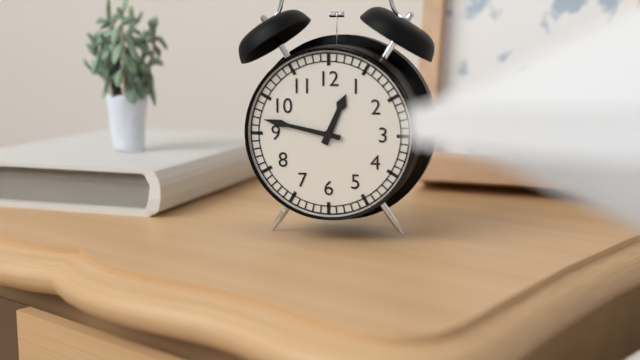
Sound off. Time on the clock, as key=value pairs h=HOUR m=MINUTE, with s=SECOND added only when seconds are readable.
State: h=12 m=47
